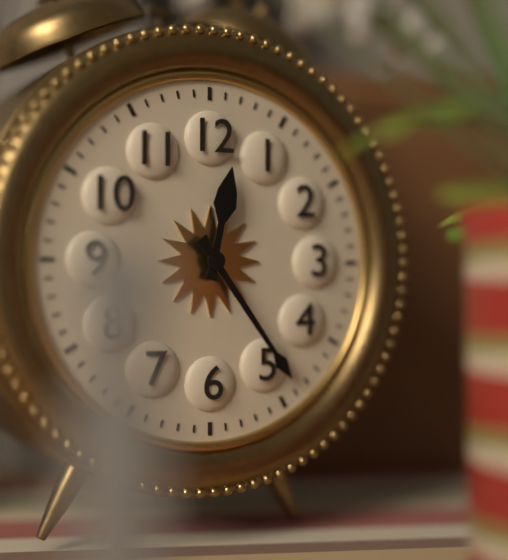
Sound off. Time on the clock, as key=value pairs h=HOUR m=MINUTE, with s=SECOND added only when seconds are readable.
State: h=12 m=24
